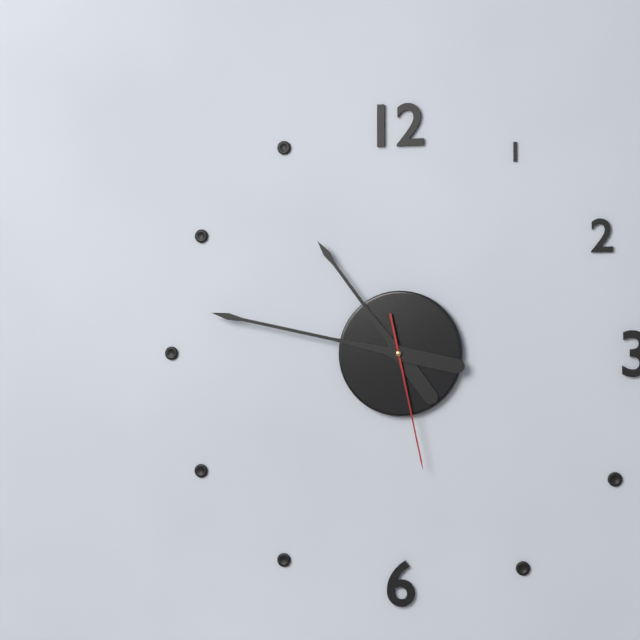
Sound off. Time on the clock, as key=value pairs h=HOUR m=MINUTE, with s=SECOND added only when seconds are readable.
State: h=10 m=47 s=28
